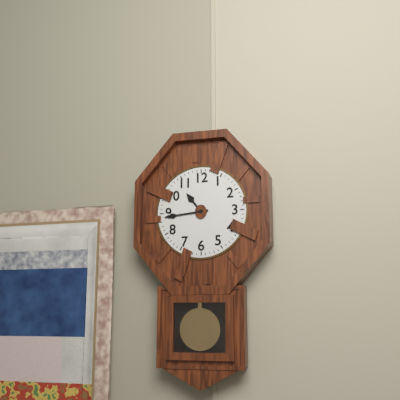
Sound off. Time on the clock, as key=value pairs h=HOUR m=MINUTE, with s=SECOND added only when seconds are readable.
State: h=10 m=44
